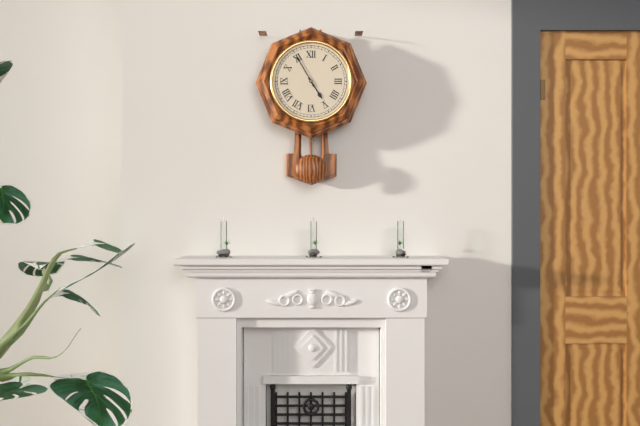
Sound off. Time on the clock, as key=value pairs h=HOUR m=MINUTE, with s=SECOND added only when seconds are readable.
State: h=4 m=55
